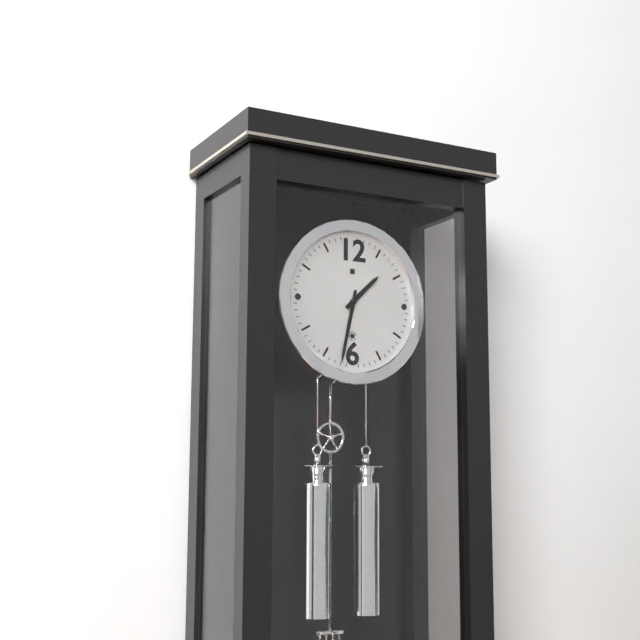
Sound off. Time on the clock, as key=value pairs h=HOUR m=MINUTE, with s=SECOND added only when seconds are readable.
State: h=1 m=32
